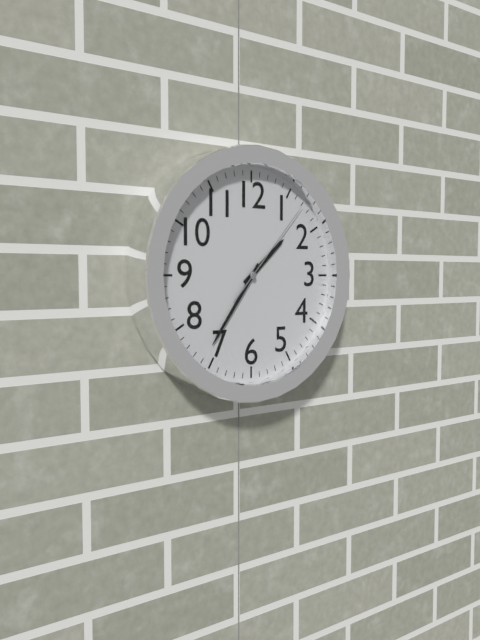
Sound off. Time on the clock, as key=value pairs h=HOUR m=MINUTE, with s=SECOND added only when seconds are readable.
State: h=1 m=36 s=7
